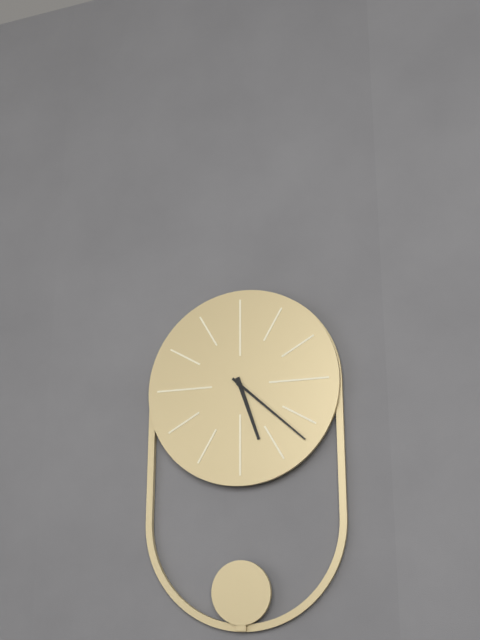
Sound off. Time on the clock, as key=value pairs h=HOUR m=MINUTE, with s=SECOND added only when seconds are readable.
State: h=5 m=22
